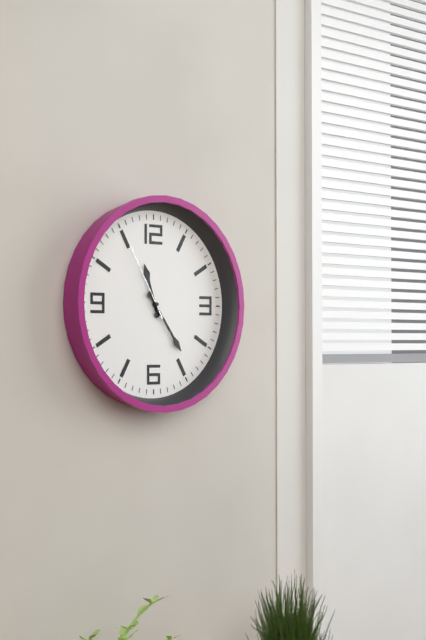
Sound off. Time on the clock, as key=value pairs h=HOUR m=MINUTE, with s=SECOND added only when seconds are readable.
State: h=11 m=24 s=55
